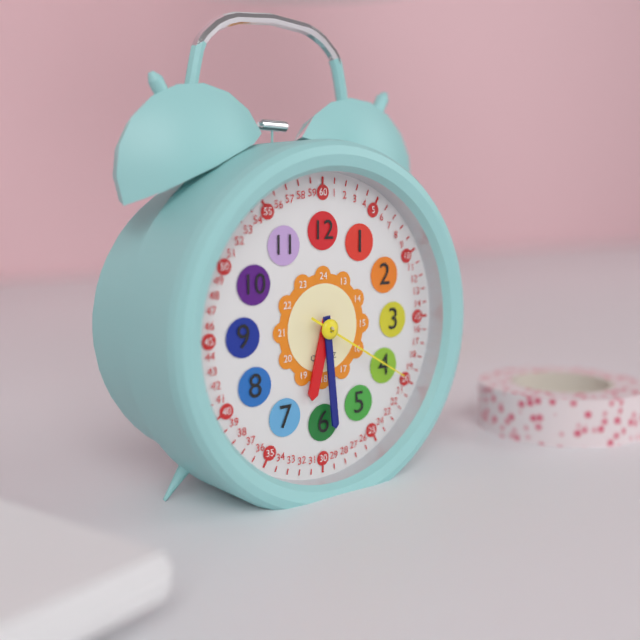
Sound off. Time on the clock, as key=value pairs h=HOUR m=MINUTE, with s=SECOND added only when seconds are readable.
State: h=6 m=29 s=20
